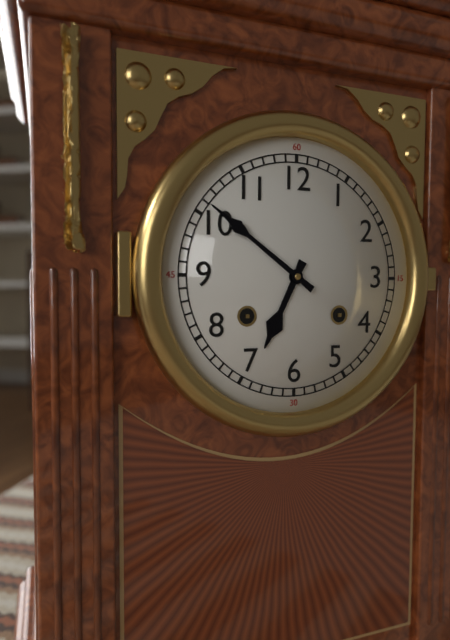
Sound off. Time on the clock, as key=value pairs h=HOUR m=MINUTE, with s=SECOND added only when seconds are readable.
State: h=6 m=51
